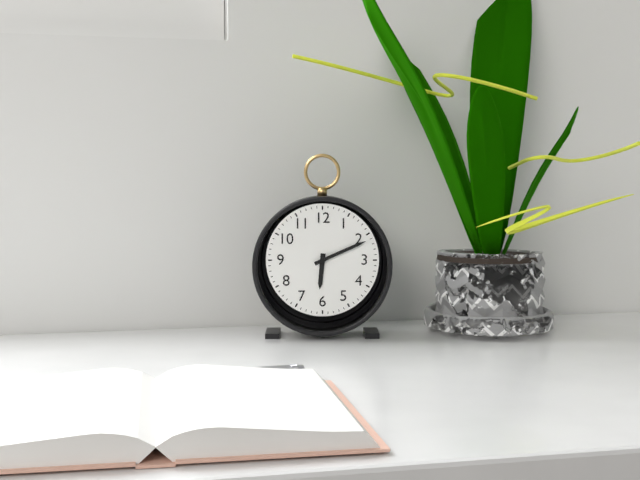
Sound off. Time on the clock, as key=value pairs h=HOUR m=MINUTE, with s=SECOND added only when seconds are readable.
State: h=6 m=11
